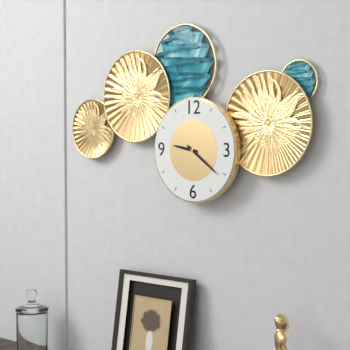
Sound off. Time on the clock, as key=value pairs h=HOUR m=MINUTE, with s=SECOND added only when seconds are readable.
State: h=9 m=21
